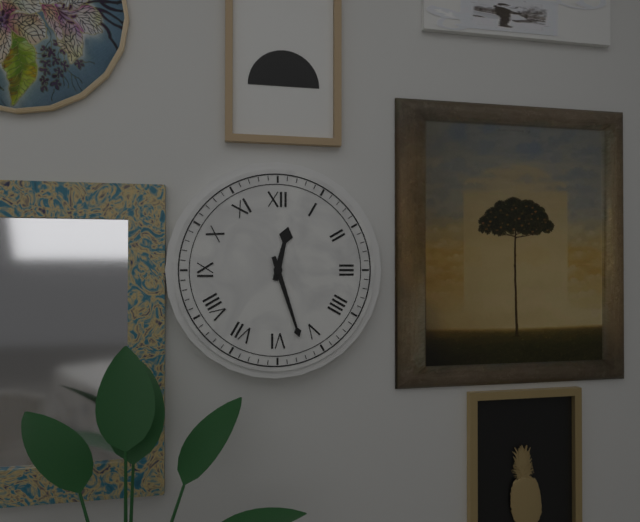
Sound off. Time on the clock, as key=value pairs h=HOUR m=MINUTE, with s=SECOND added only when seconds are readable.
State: h=12 m=27
